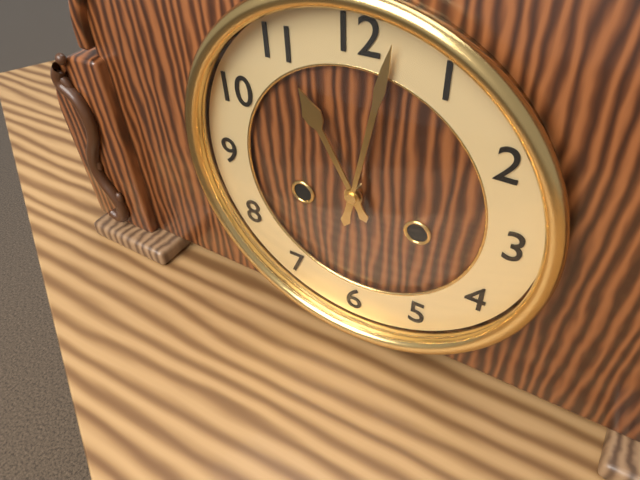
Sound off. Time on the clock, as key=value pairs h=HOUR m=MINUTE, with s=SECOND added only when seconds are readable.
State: h=11 m=2
